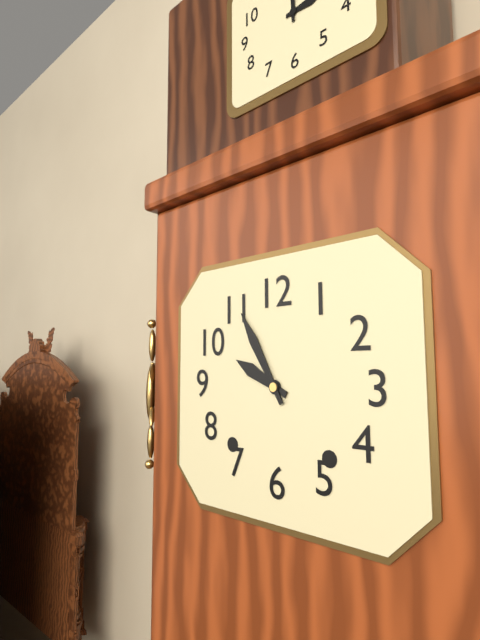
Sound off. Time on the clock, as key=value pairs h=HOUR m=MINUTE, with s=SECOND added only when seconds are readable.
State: h=9 m=55
